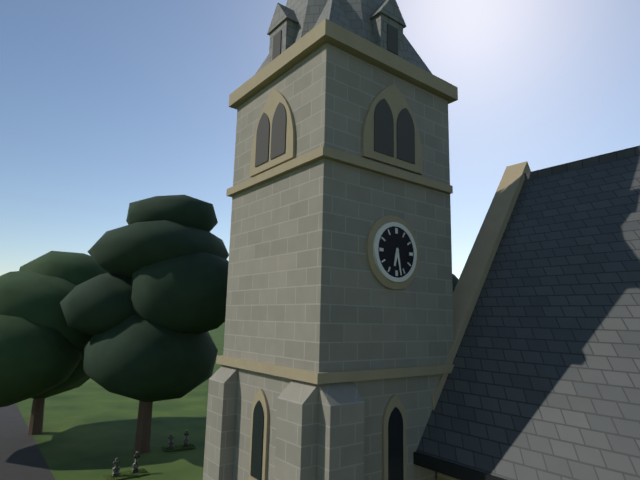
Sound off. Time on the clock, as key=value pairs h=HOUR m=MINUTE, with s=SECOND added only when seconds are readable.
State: h=6 m=28
